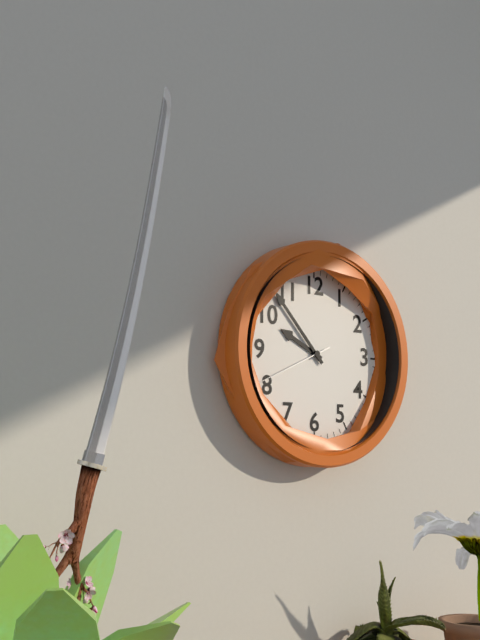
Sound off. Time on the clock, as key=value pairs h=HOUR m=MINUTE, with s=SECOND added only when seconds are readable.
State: h=9 m=53 s=41
